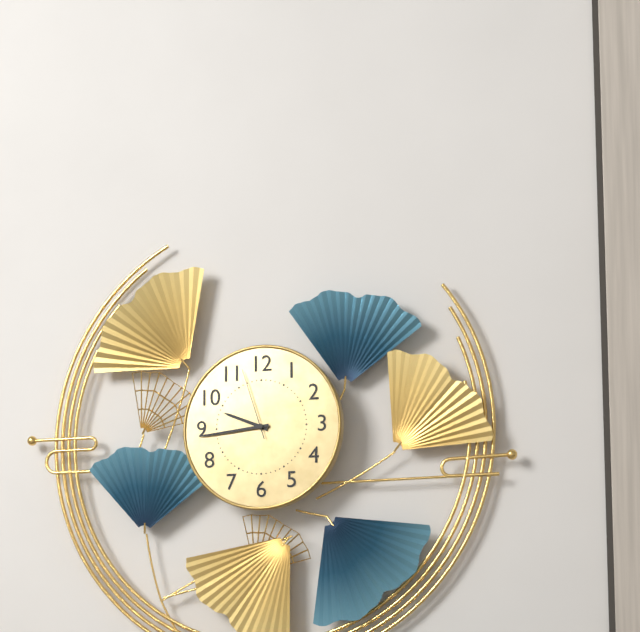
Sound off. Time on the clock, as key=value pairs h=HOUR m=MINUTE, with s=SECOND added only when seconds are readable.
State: h=9 m=44 s=57
